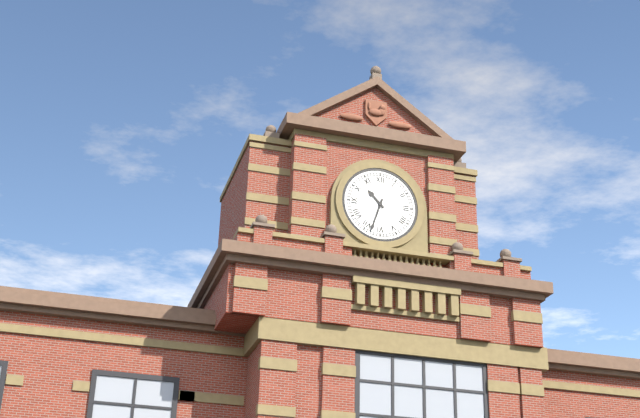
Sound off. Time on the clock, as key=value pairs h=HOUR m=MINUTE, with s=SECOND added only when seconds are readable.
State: h=10 m=33
